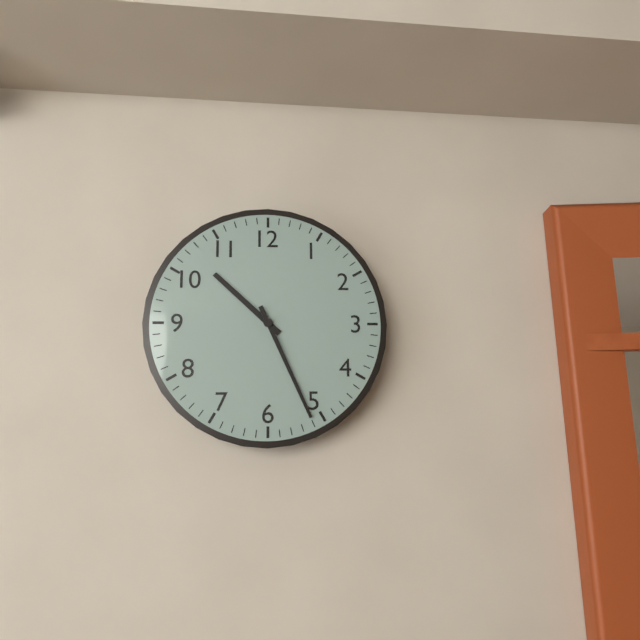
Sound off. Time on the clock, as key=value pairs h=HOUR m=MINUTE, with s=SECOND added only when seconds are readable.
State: h=10 m=26
